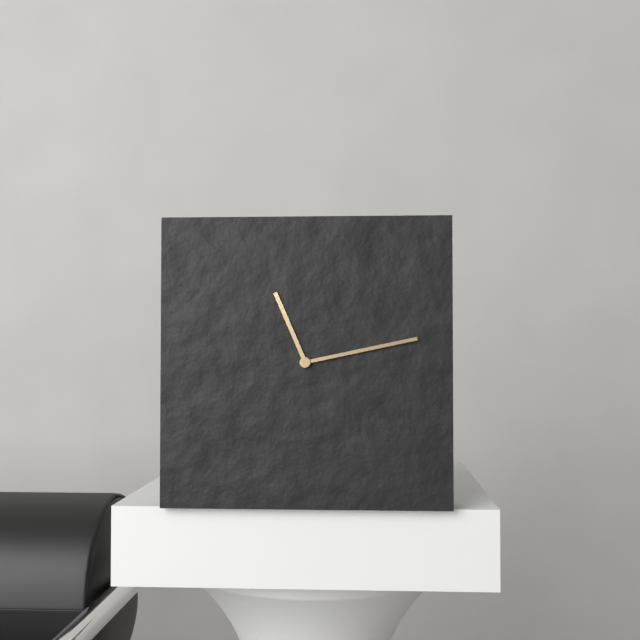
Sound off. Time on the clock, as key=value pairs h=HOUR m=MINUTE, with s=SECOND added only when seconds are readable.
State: h=11 m=13
